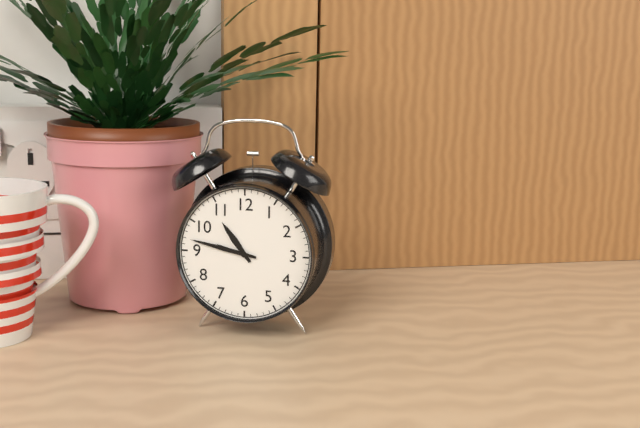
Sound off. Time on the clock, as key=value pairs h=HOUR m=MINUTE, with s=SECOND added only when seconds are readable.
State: h=10 m=47
